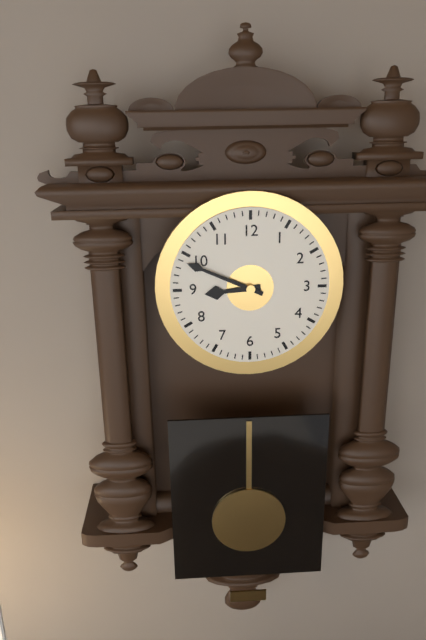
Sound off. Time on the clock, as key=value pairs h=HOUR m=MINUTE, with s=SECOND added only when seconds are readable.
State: h=8 m=49
